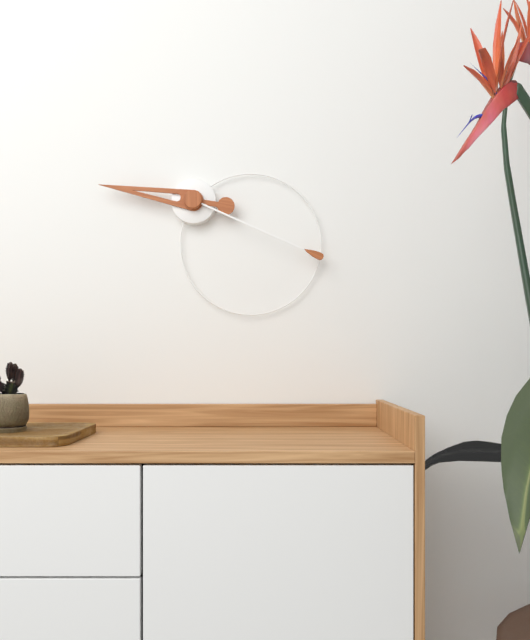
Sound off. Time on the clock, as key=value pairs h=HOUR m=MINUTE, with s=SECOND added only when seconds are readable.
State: h=9 m=19
